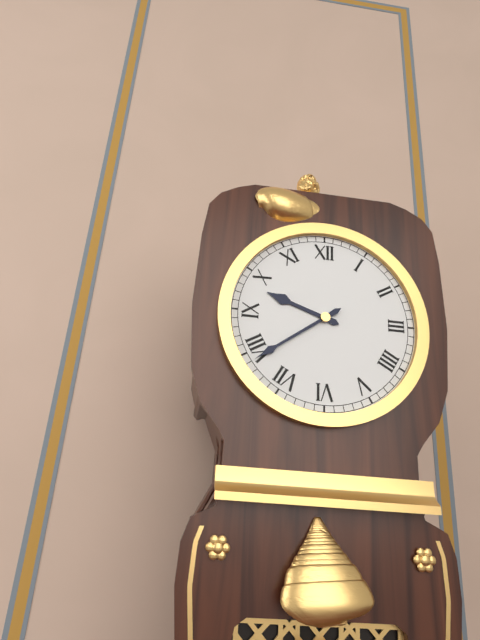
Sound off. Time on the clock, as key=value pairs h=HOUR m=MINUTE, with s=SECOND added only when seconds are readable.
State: h=9 m=39
